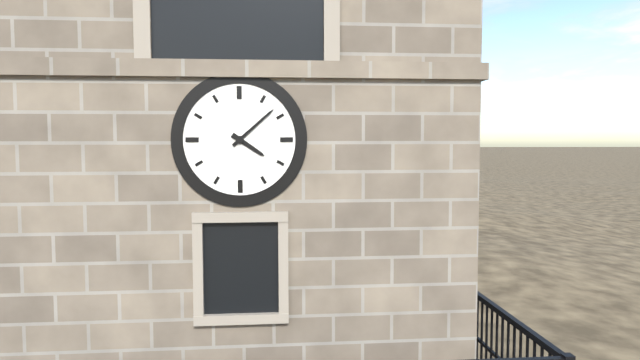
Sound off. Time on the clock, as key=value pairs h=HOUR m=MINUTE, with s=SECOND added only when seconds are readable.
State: h=4 m=8
